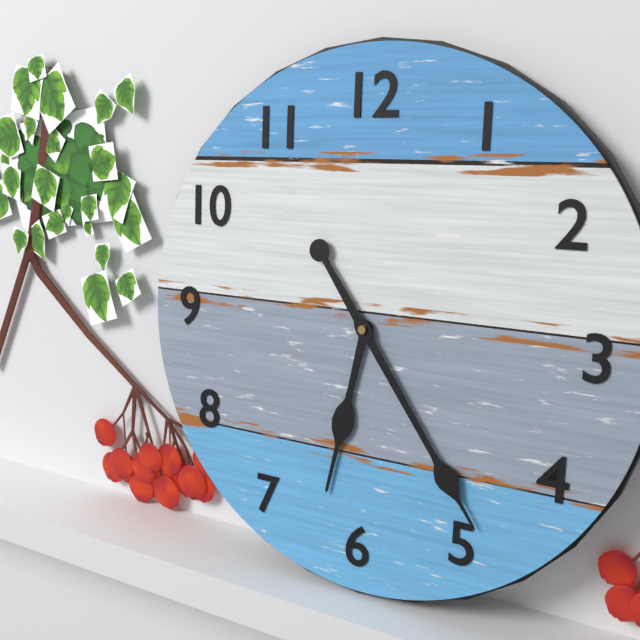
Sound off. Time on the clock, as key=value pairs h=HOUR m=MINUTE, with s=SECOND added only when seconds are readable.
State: h=6 m=24
